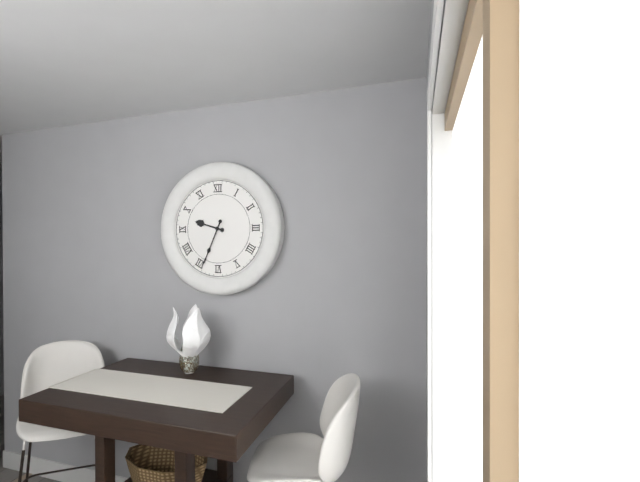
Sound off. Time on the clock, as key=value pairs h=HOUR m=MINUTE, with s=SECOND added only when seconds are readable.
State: h=9 m=34
